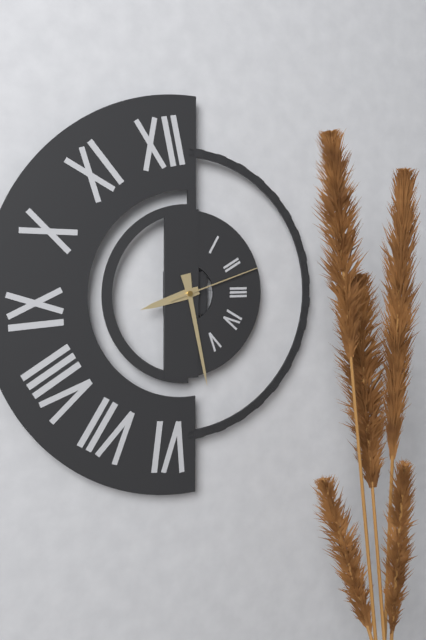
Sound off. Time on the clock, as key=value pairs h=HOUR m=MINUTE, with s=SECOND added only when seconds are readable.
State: h=8 m=28 s=12
